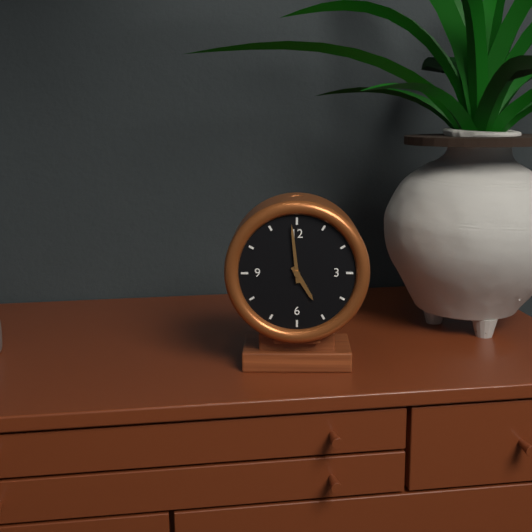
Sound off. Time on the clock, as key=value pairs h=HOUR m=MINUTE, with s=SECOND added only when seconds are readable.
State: h=4 m=59
